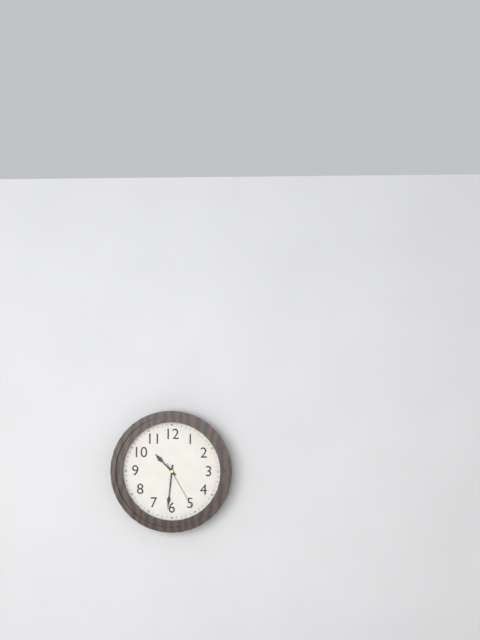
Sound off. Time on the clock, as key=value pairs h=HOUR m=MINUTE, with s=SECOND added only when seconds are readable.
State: h=10 m=31 s=25
